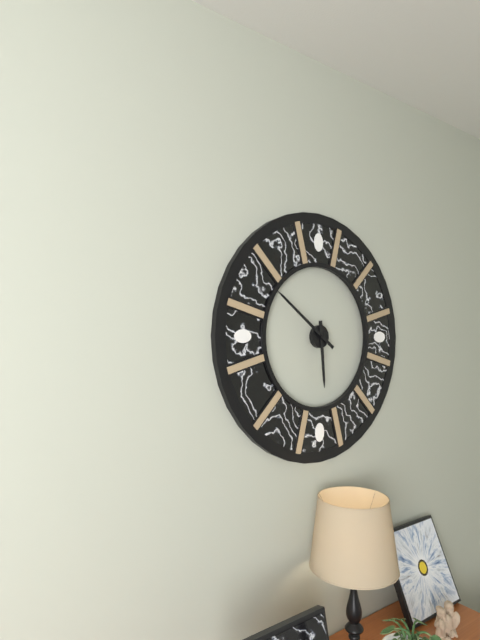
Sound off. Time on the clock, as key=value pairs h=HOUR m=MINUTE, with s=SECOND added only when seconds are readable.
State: h=5 m=51
